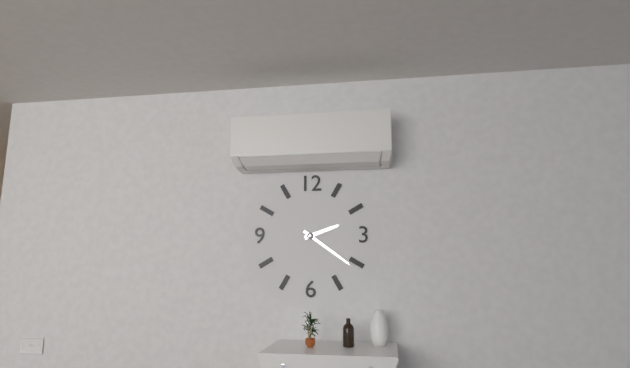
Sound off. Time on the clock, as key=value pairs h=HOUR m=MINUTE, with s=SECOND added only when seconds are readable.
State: h=2 m=21
